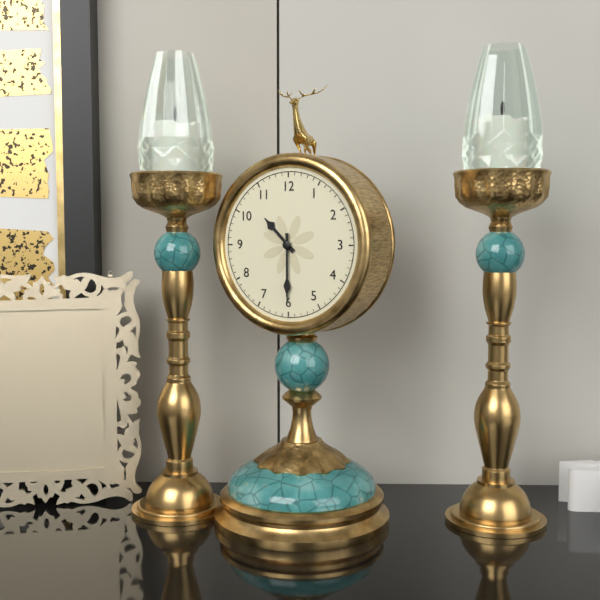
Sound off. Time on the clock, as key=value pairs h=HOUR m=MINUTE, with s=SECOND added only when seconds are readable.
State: h=10 m=30
